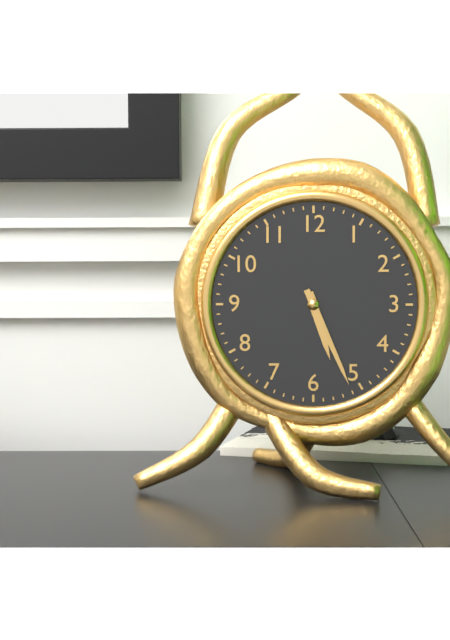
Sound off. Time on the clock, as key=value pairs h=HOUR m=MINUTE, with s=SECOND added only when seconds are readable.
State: h=5 m=26
